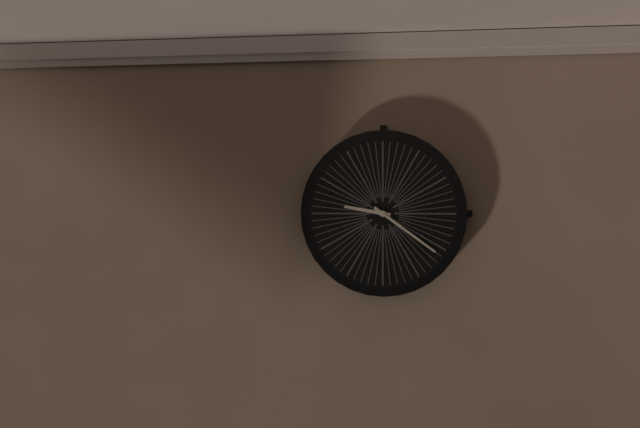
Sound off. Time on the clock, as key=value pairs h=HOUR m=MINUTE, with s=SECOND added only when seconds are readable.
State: h=9 m=21
